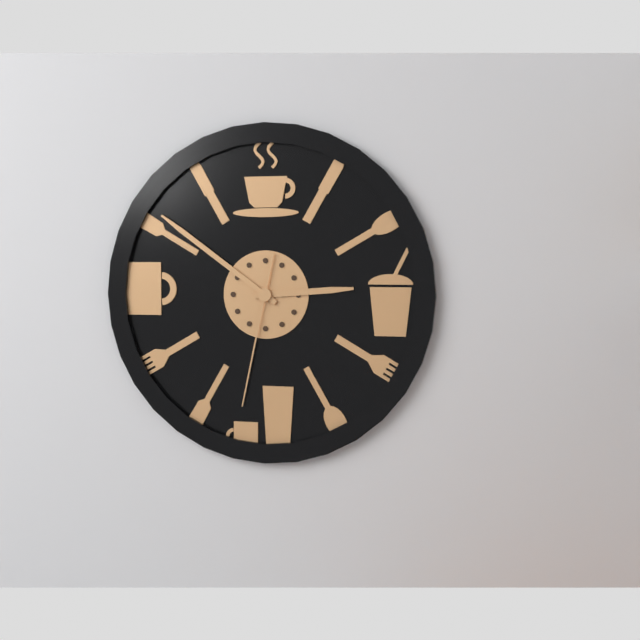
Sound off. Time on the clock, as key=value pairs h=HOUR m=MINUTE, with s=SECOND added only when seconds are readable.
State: h=2 m=51 s=32
